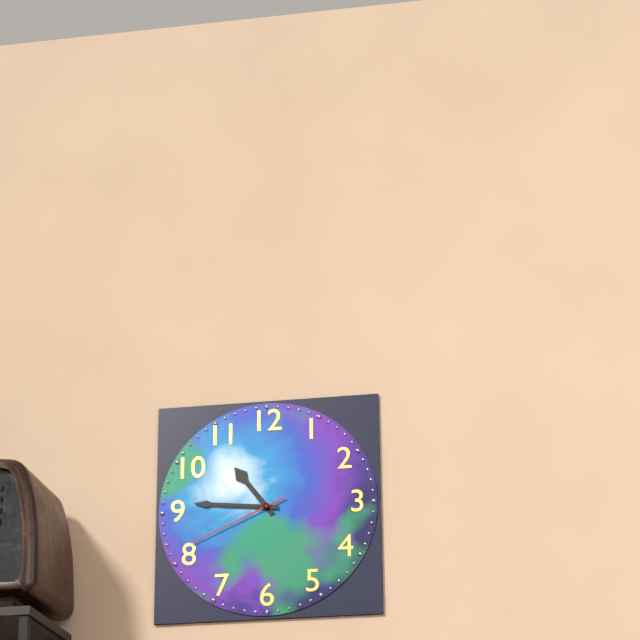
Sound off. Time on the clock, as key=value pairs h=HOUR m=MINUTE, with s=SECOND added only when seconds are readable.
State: h=10 m=46 s=41
